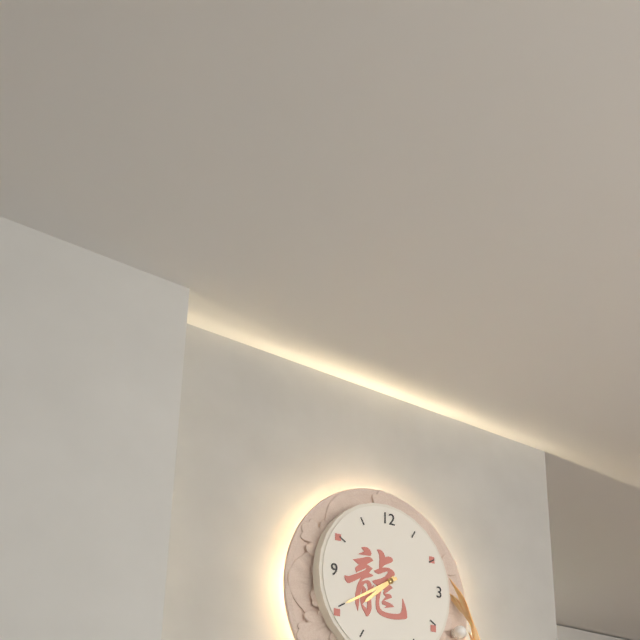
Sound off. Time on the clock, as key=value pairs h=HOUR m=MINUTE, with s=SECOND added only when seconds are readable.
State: h=7 m=40
